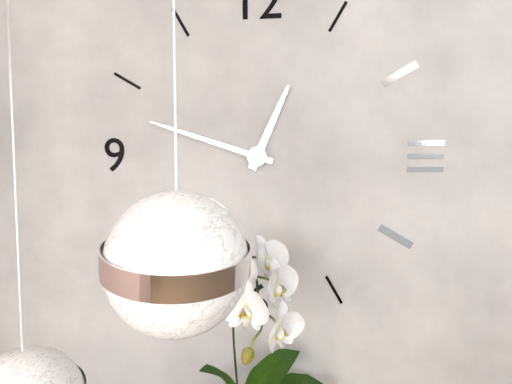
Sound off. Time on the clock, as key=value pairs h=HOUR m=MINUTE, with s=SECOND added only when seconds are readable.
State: h=12 m=48
